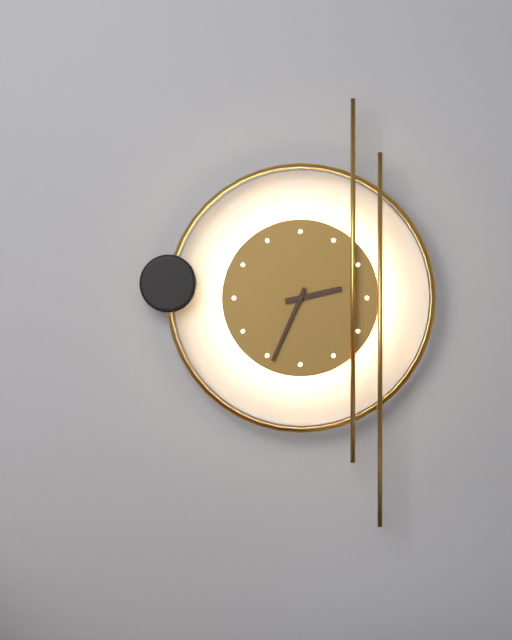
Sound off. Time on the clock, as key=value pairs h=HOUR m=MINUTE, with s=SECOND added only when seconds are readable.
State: h=2 m=34
